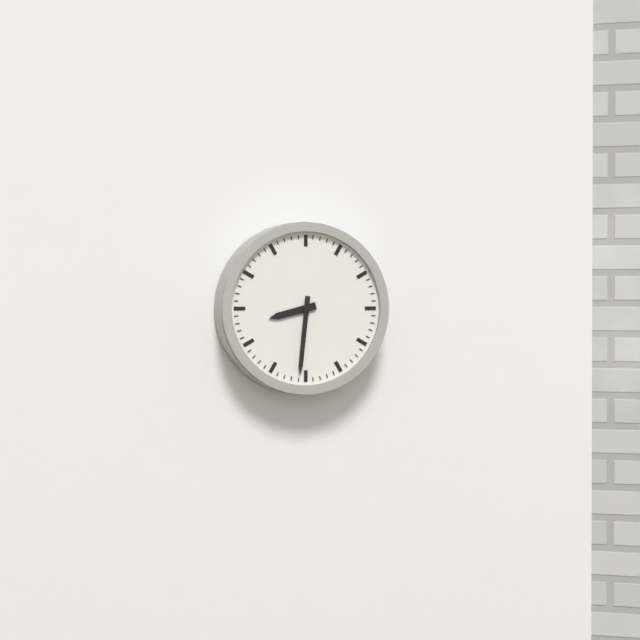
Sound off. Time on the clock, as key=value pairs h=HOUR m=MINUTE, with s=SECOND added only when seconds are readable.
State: h=8 m=31
